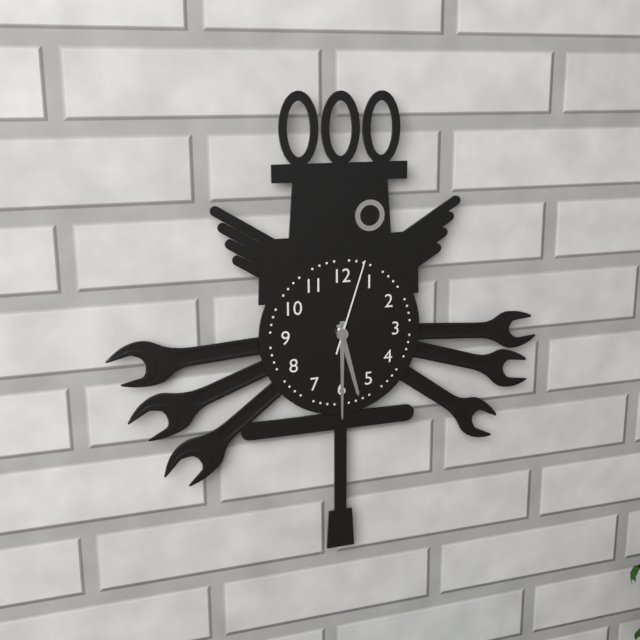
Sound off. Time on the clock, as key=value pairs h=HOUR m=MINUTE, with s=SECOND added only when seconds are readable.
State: h=5 m=30 s=3
